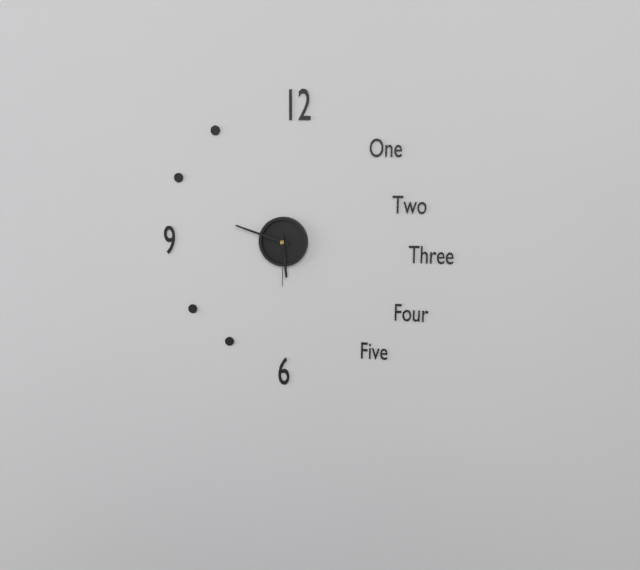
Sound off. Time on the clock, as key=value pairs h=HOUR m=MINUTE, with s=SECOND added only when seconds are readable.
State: h=5 m=48 s=30
